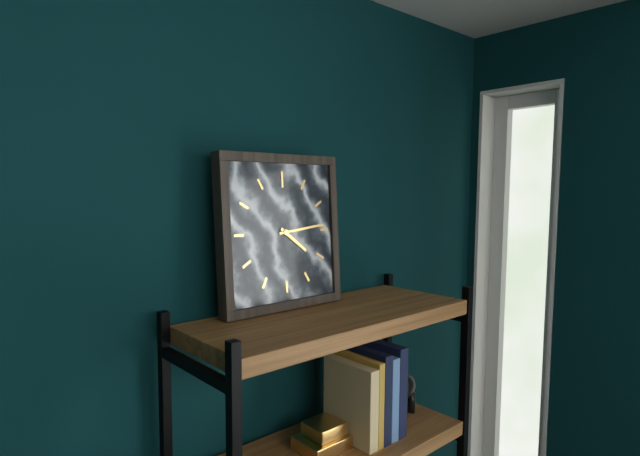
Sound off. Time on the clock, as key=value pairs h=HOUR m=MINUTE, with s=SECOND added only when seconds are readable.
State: h=4 m=14
